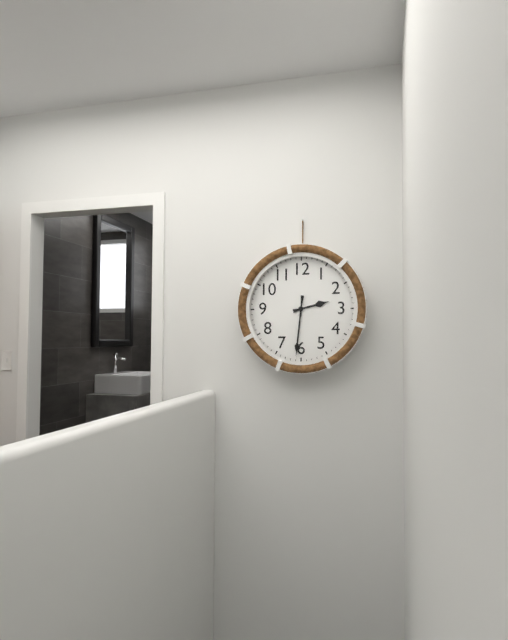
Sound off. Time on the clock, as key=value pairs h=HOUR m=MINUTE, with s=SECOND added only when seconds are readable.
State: h=2 m=31
